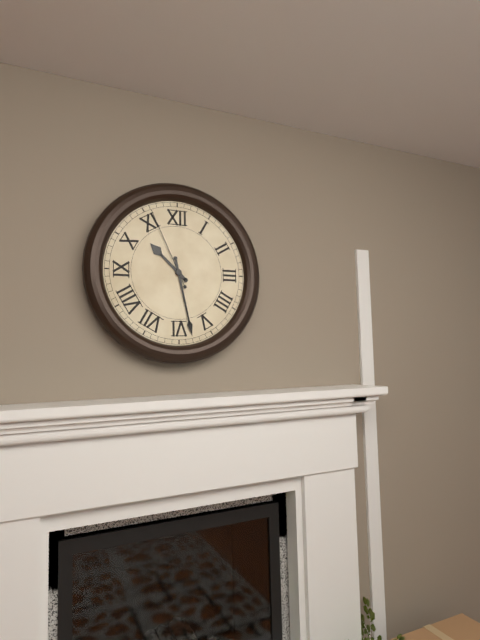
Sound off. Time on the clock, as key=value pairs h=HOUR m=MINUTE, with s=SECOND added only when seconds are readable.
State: h=10 m=28 s=56
